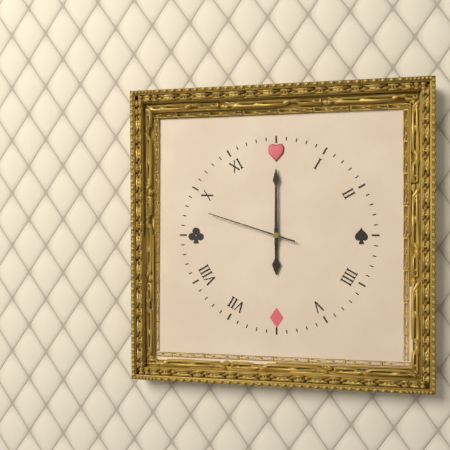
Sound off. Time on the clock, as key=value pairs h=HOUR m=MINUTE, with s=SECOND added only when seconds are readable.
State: h=6 m=0 s=48
